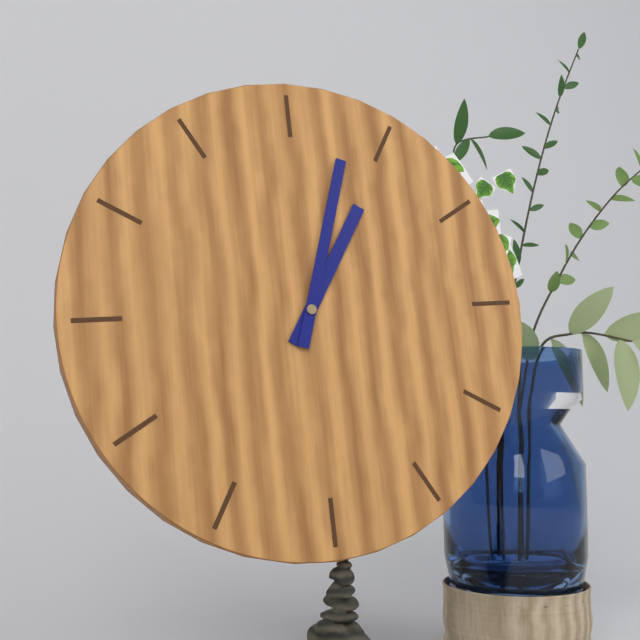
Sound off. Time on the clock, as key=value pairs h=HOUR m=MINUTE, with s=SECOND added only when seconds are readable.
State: h=1 m=3
